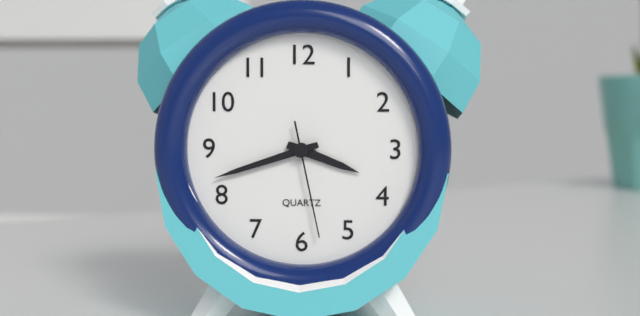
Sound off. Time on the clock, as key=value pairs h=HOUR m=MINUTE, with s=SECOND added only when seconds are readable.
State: h=3 m=42 s=28
